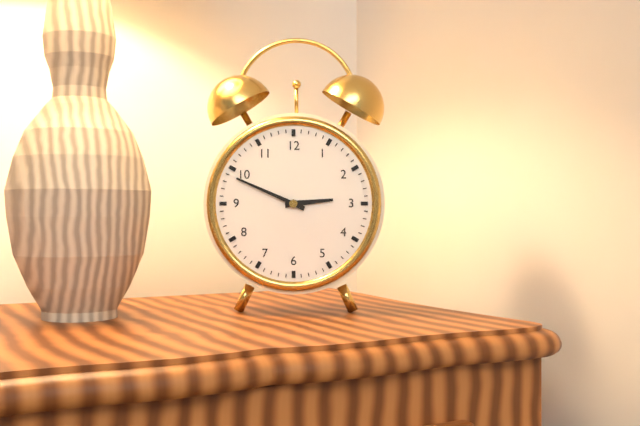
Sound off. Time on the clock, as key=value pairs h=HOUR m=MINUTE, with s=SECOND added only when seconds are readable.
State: h=2 m=49
